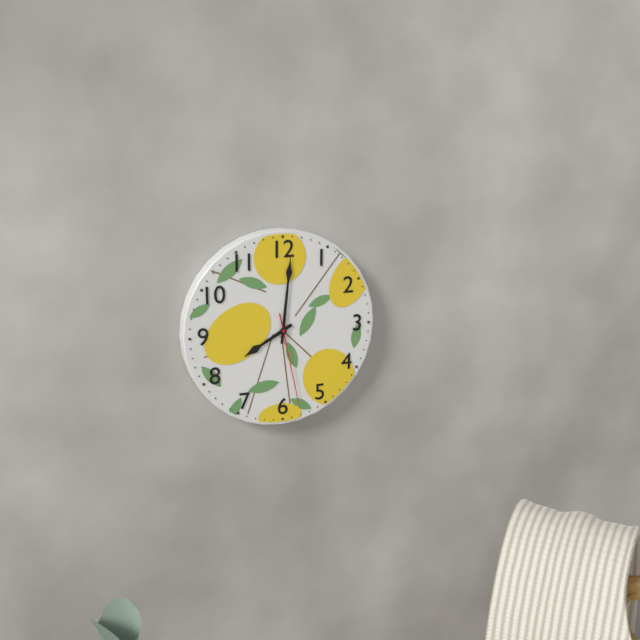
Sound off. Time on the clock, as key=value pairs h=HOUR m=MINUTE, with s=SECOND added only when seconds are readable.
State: h=8 m=1 s=28
